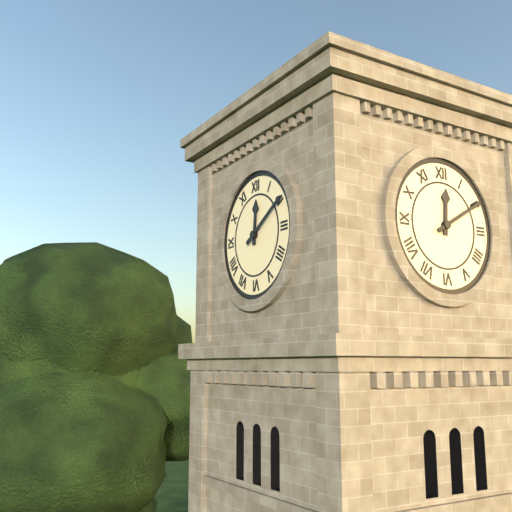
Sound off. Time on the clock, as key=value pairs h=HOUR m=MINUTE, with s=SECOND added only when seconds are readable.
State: h=12 m=10
